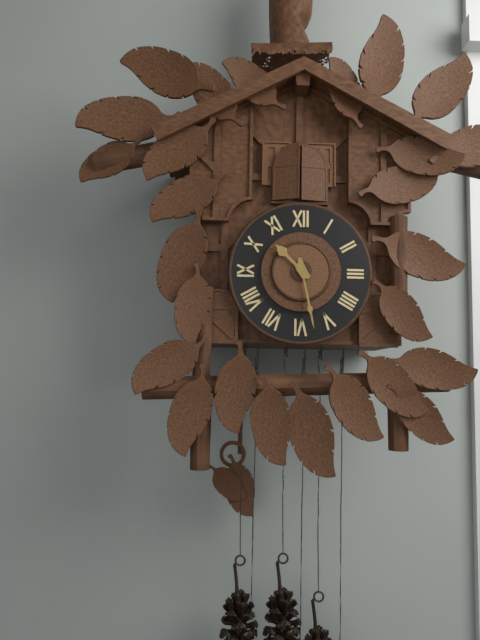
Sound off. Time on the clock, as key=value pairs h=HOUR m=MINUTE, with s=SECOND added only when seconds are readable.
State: h=10 m=28
